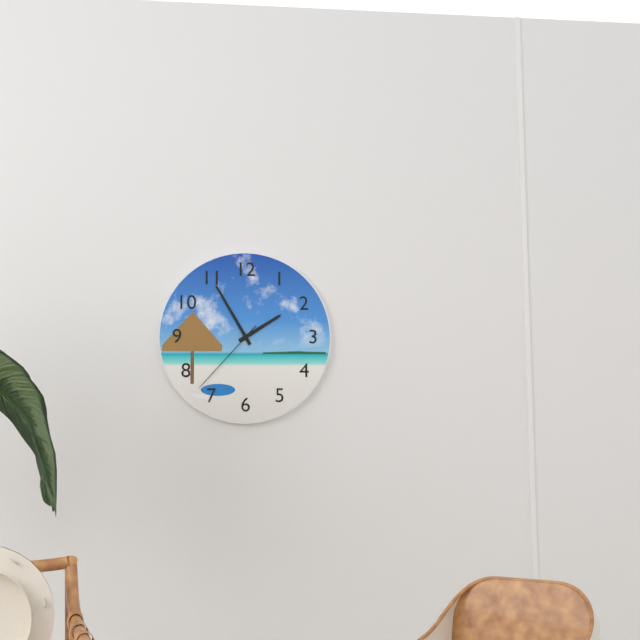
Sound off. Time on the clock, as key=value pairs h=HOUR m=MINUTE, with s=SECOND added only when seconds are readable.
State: h=1 m=55 s=37
